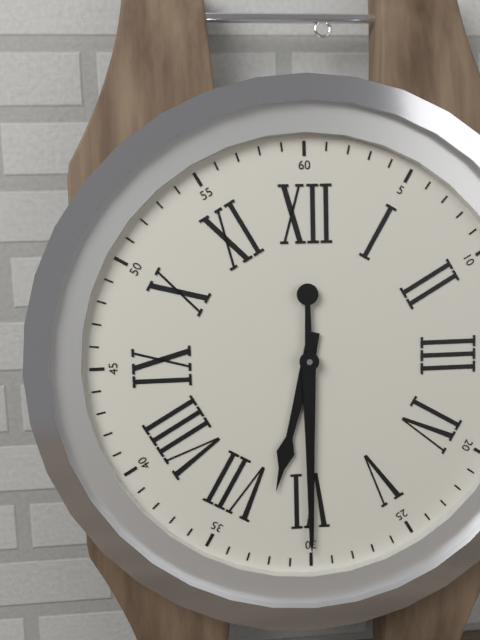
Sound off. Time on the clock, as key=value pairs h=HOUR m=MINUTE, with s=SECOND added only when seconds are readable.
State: h=6 m=30
